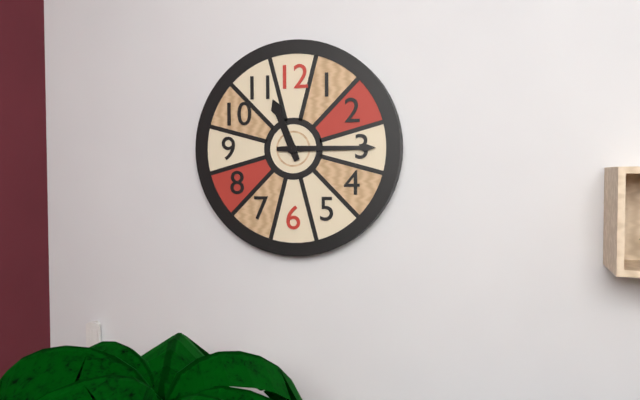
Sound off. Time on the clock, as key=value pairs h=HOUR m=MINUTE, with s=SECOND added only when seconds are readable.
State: h=11 m=15
